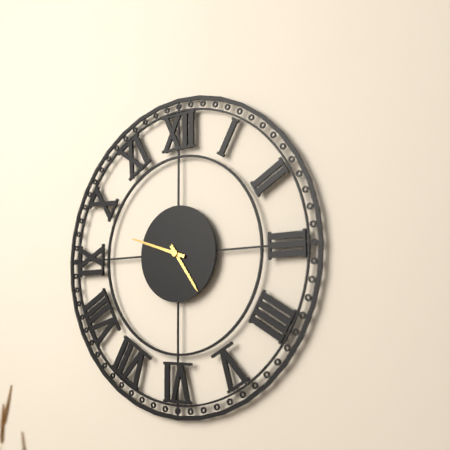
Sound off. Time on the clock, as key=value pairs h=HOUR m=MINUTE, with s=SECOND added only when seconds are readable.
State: h=4 m=48
